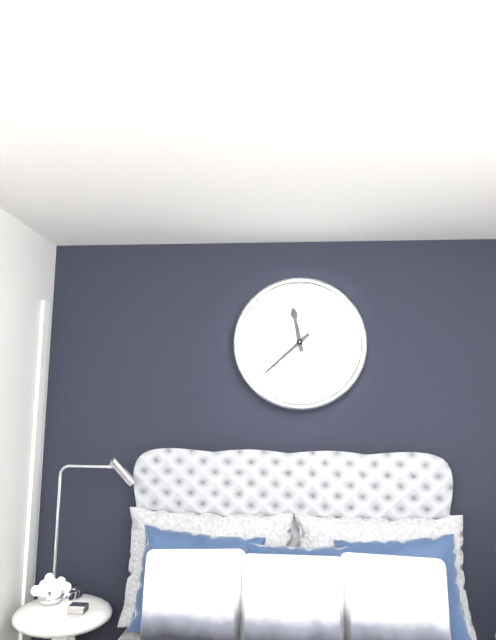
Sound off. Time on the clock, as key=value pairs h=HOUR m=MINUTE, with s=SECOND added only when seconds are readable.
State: h=11 m=38
